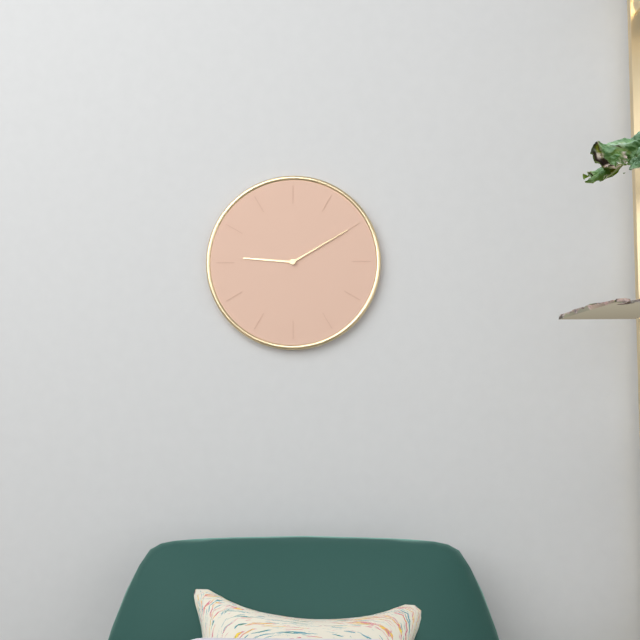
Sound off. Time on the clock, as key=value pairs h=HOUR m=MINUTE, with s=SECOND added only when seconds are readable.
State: h=9 m=10
